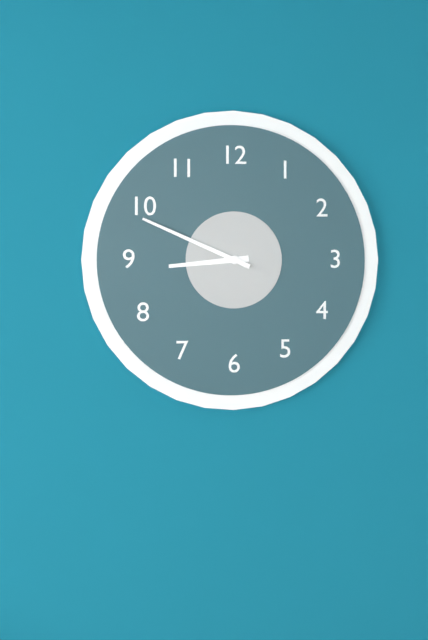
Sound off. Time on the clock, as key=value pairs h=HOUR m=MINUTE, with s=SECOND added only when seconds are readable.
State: h=8 m=49
